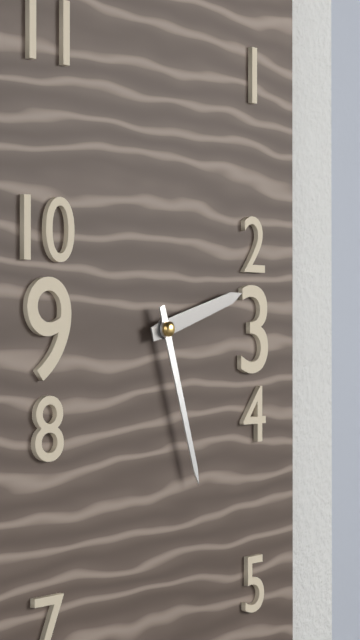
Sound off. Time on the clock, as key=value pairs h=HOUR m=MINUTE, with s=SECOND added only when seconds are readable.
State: h=2 m=27
